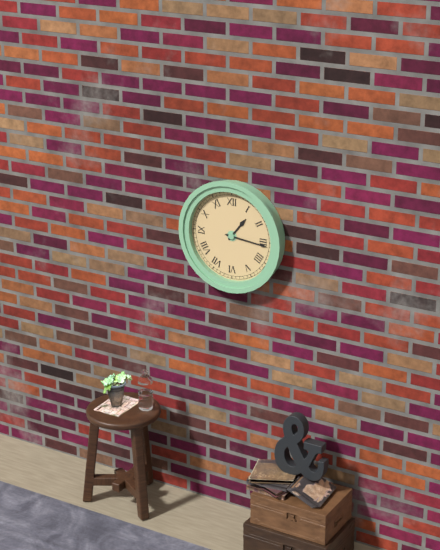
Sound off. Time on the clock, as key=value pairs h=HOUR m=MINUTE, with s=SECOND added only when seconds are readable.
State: h=1 m=16
